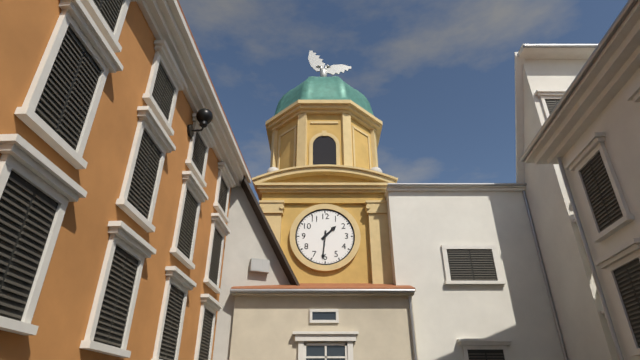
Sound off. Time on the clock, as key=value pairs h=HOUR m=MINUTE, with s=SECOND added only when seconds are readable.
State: h=1 m=31
